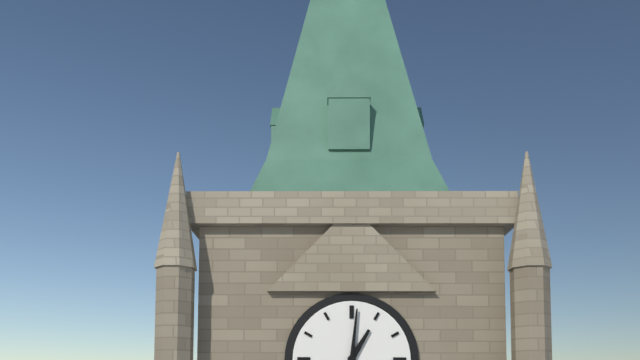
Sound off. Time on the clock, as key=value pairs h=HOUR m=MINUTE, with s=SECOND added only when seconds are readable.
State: h=1 m=1
